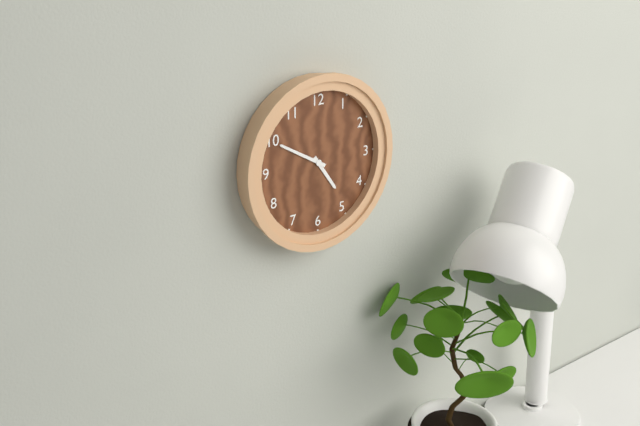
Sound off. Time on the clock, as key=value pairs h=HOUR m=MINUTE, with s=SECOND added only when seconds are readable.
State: h=4 m=50
